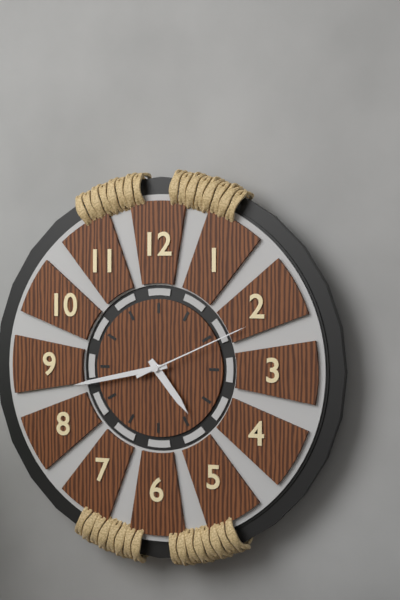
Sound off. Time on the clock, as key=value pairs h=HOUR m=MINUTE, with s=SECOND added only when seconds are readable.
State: h=4 m=43 s=11
